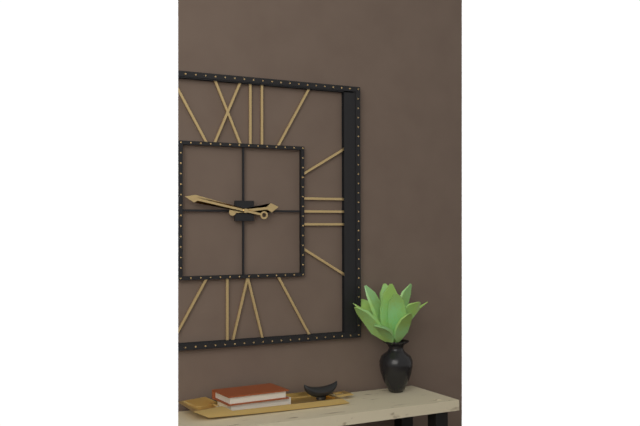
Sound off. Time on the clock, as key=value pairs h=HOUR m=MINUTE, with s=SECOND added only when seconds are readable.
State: h=2 m=47
